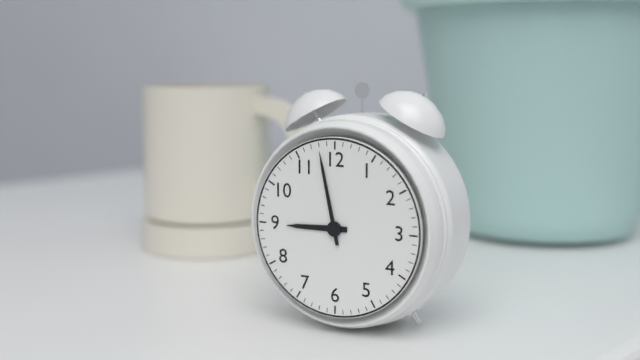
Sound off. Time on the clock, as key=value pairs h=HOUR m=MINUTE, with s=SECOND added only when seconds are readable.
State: h=8 m=58
